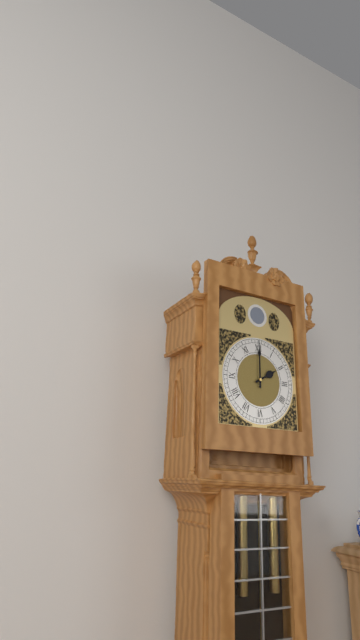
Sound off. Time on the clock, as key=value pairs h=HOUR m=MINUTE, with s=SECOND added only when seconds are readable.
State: h=2 m=0
